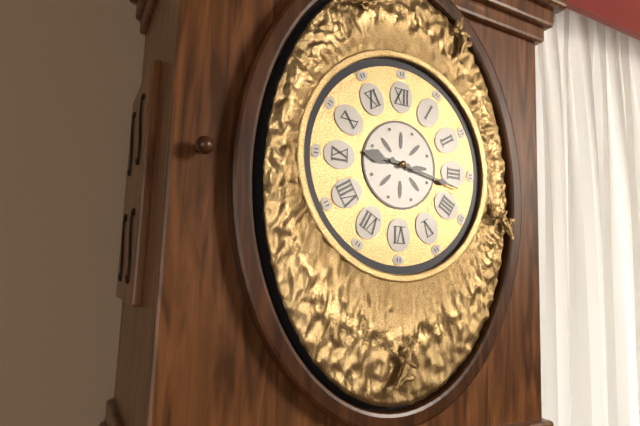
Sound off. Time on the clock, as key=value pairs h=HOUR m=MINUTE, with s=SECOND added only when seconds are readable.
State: h=9 m=17
